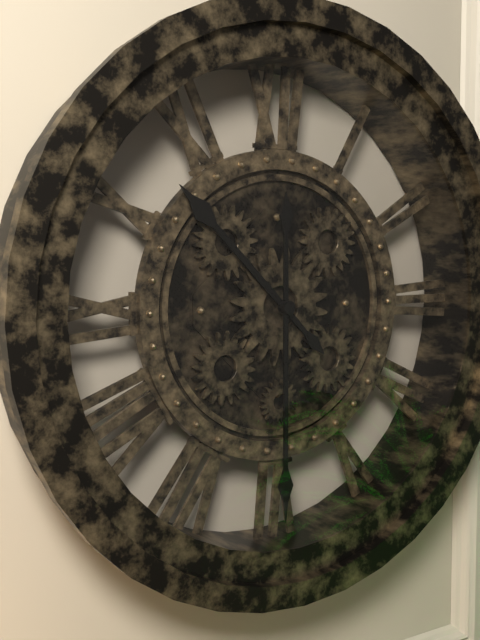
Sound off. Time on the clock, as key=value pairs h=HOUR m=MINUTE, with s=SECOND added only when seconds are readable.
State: h=10 m=30
